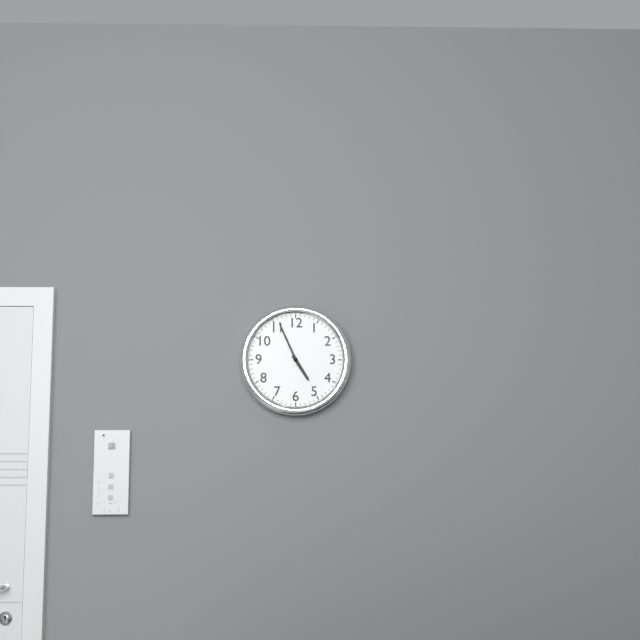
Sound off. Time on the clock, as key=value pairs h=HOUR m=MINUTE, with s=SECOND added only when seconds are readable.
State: h=4 m=56
